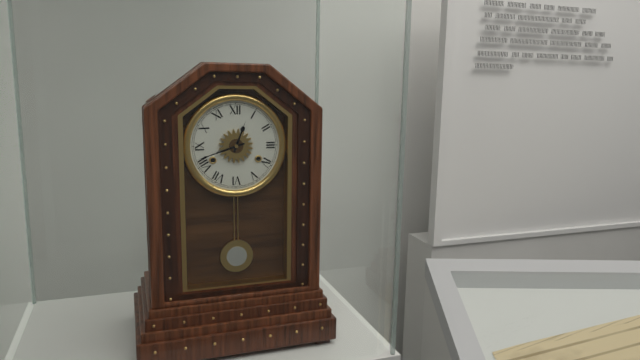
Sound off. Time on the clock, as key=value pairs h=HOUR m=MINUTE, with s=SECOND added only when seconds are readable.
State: h=12 m=42
